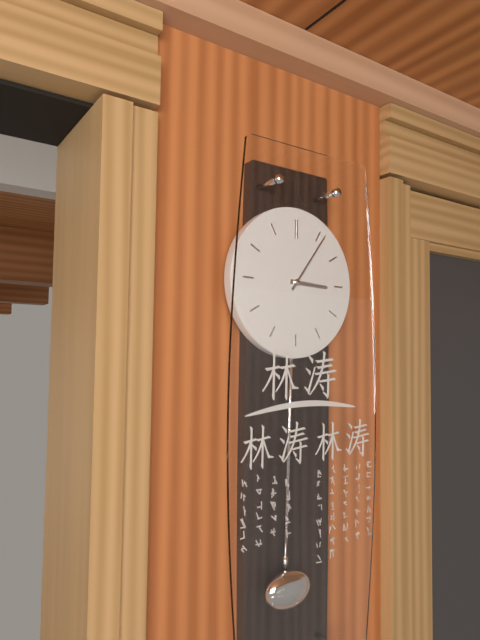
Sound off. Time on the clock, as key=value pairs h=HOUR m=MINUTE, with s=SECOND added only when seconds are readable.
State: h=3 m=6
